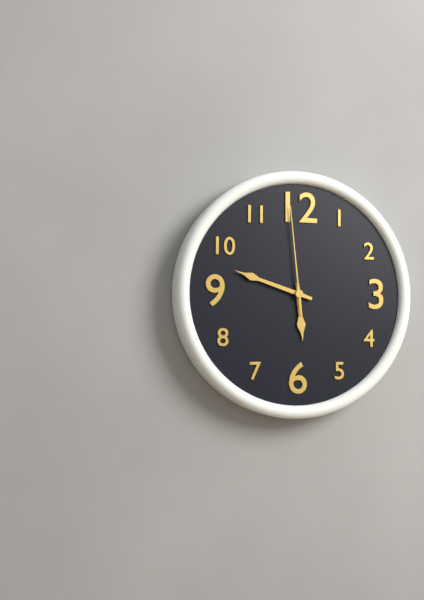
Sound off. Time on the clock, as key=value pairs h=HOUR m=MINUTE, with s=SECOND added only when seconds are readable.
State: h=5 m=48 s=59
